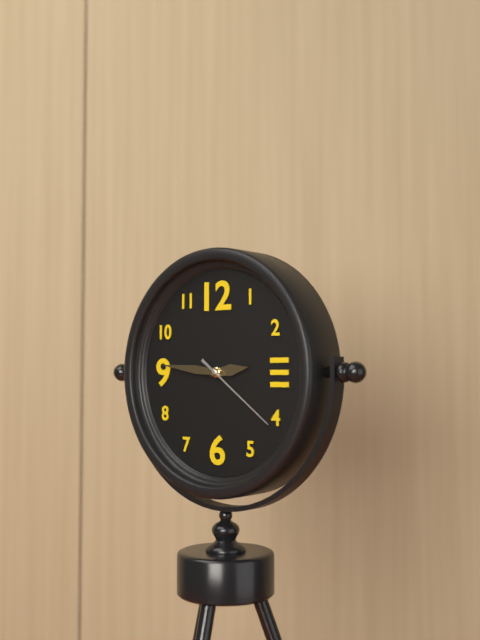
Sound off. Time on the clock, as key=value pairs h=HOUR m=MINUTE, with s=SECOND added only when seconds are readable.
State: h=2 m=46 s=21
